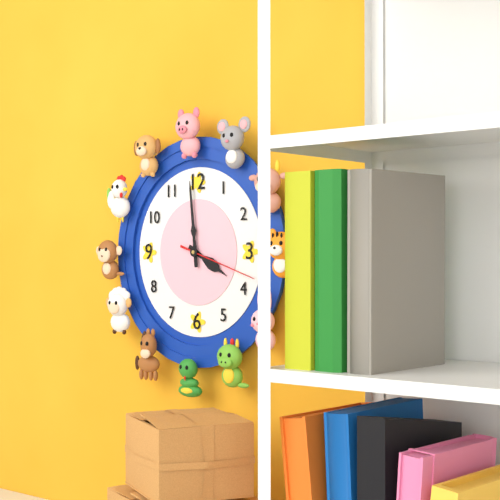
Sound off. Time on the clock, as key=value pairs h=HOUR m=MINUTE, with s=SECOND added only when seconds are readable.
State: h=3 m=59 s=18
